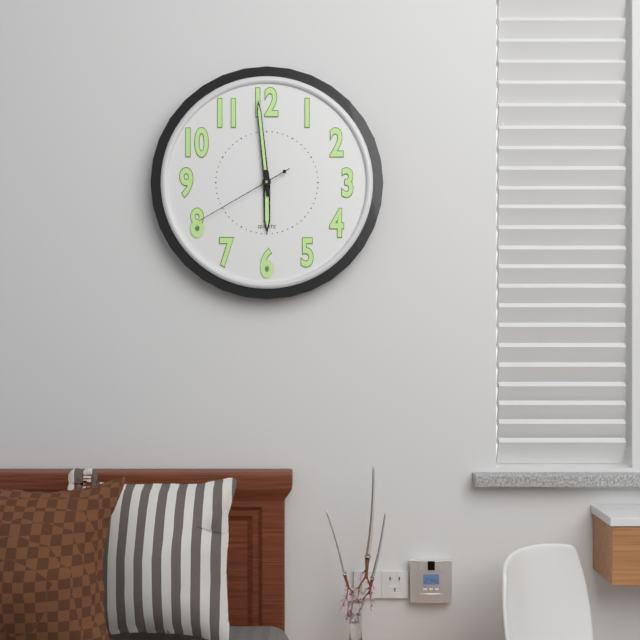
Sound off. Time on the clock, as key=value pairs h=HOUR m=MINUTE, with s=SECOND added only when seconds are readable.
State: h=5 m=59 s=40
